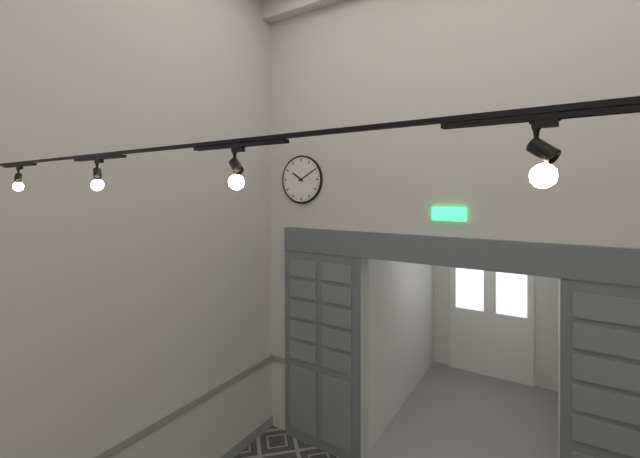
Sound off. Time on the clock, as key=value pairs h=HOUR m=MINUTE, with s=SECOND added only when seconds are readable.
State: h=10 m=10
